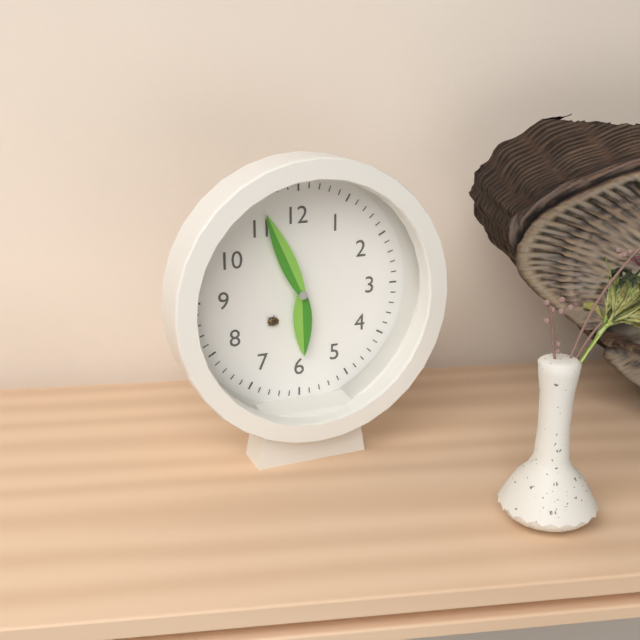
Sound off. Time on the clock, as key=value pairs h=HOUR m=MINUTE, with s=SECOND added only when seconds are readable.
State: h=5 m=56
